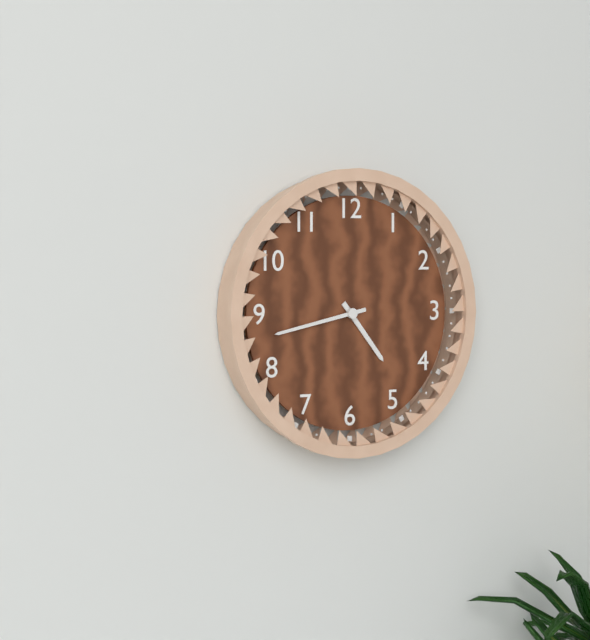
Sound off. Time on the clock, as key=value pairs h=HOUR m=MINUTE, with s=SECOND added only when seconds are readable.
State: h=4 m=43
